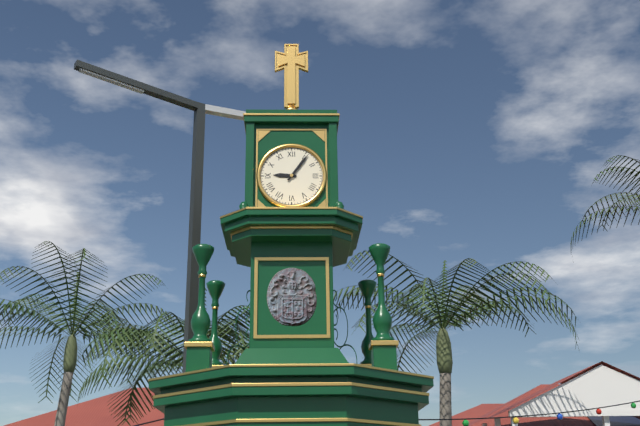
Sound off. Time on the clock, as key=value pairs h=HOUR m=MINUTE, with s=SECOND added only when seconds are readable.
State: h=9 m=6
